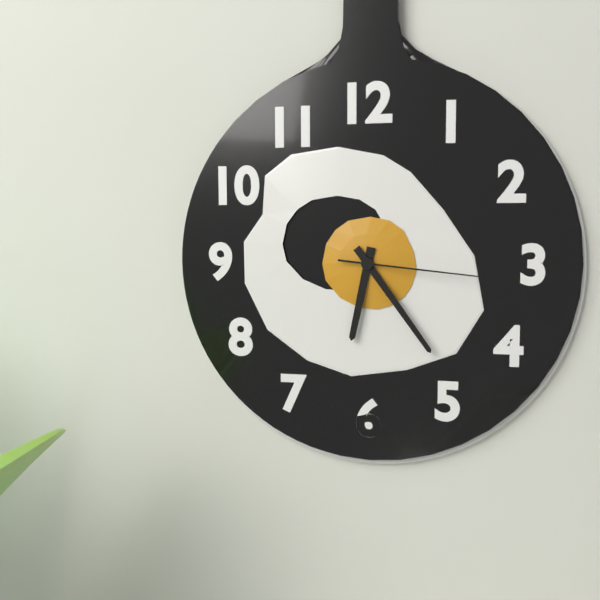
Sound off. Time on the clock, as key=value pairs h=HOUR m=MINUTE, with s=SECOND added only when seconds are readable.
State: h=6 m=24 s=16
